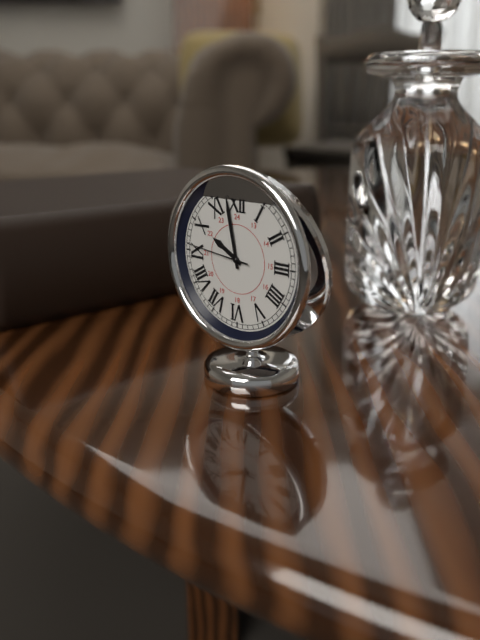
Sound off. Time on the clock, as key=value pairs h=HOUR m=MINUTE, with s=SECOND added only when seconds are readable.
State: h=9 m=58 s=46
